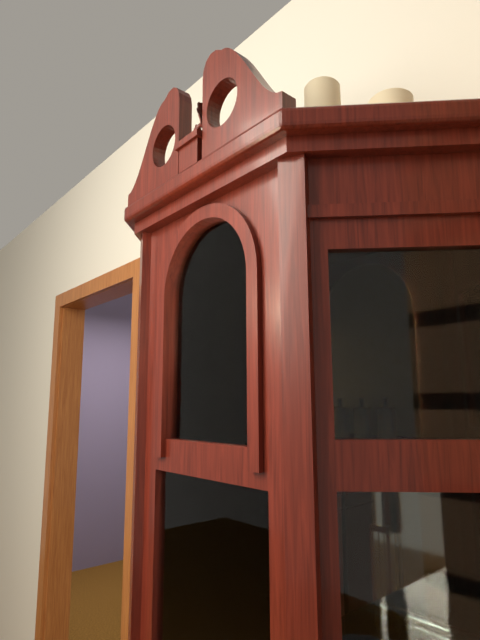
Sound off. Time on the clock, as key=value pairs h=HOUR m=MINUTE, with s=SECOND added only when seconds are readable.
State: h=1 m=9
